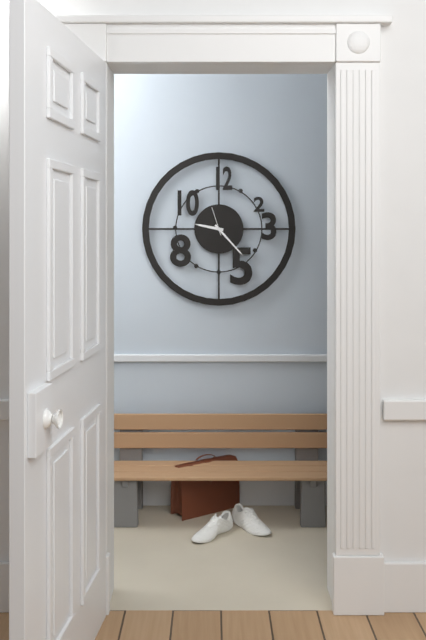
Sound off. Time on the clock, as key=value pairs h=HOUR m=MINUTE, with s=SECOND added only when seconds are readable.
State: h=9 m=23
